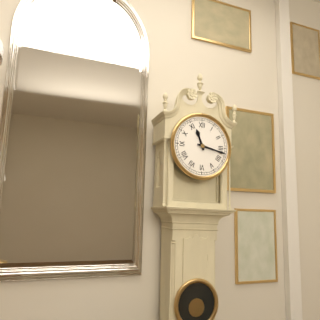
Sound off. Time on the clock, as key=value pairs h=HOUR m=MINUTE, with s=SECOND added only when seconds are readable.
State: h=11 m=17
